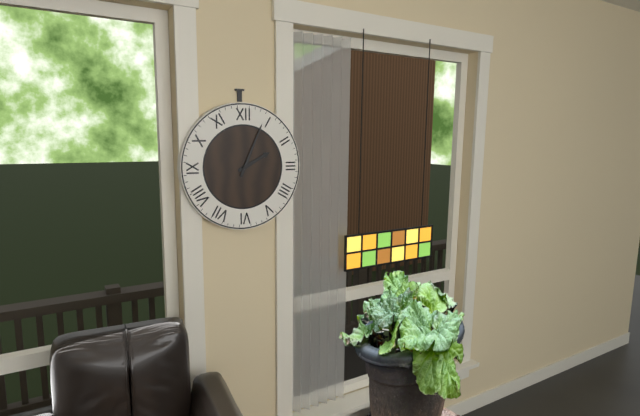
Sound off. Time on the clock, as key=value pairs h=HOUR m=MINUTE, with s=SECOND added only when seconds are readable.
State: h=2 m=4
